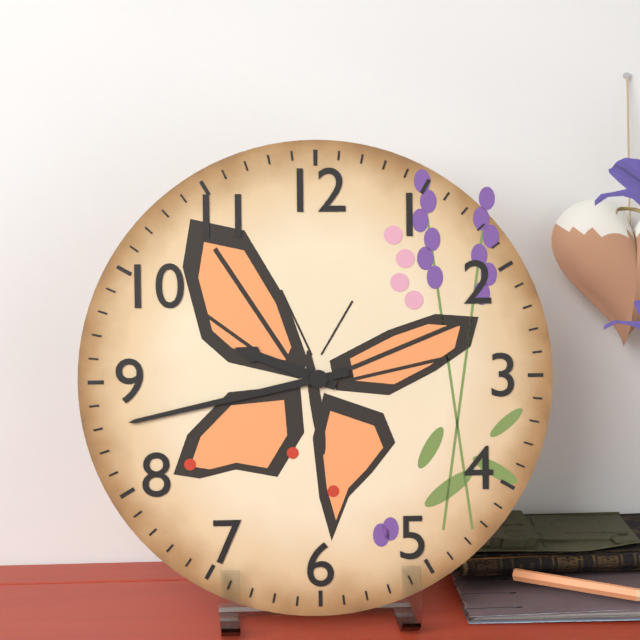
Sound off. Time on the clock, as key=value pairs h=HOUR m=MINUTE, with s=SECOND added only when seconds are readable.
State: h=9 m=43
